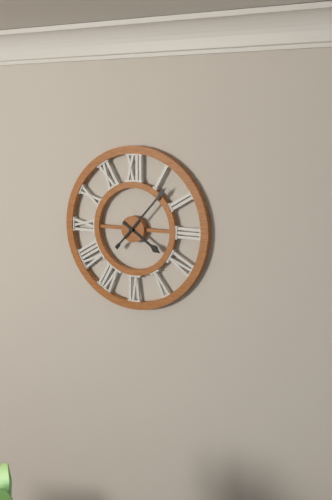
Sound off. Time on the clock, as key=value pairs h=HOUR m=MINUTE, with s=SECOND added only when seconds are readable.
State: h=4 m=7
